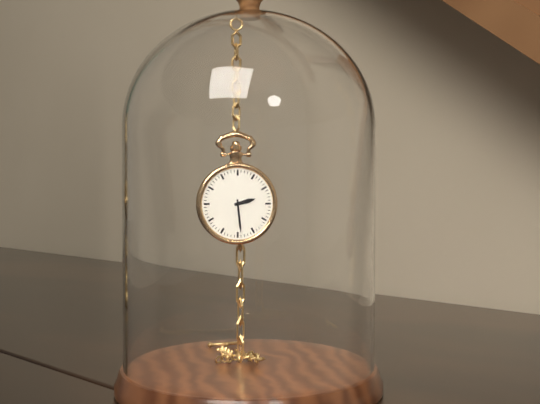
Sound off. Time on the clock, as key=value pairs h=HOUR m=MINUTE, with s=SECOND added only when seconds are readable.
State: h=2 m=29
